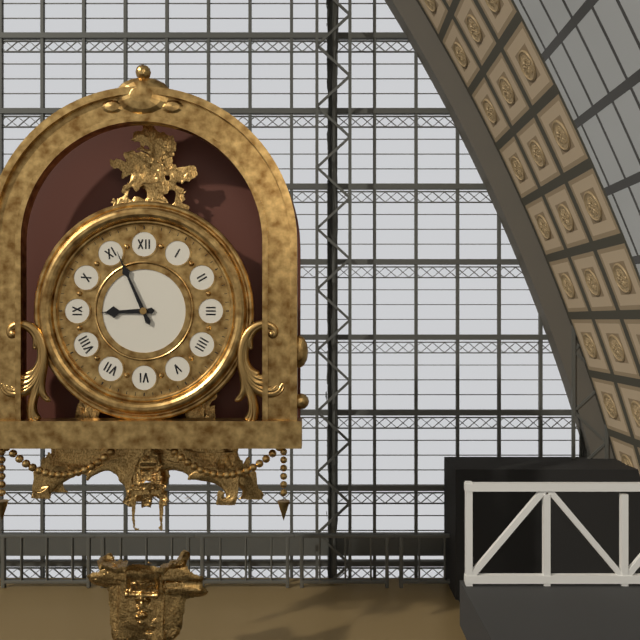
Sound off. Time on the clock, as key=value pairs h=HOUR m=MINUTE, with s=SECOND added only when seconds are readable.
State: h=8 m=56
